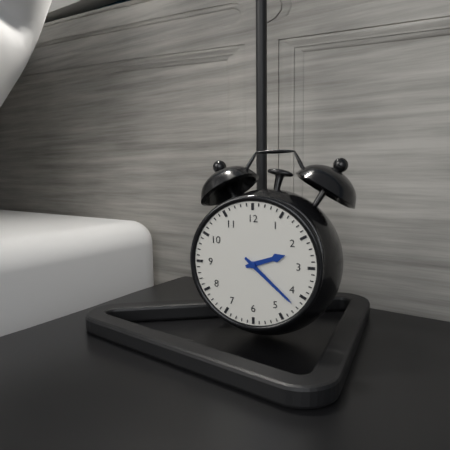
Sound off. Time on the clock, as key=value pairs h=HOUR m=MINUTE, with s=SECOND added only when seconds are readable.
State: h=2 m=22
